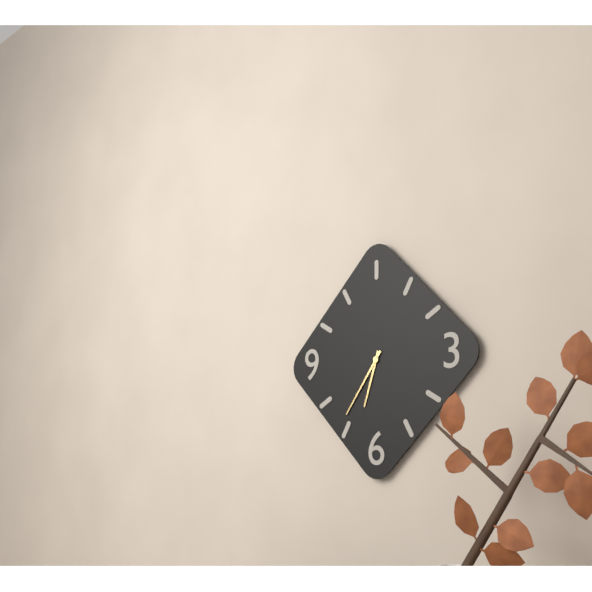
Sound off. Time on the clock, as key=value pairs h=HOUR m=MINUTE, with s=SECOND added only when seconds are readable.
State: h=6 m=36
